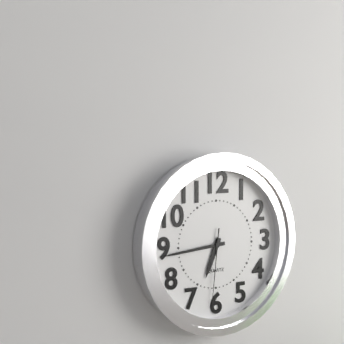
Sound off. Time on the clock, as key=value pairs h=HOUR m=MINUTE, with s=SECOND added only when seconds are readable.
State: h=6 m=44 s=31
